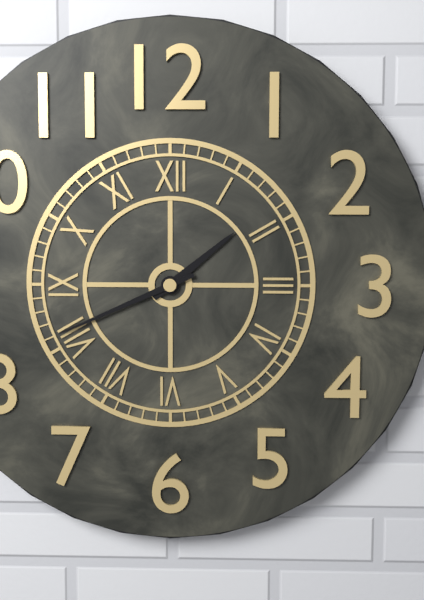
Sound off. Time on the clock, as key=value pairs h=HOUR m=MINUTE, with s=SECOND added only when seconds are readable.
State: h=1 m=41
